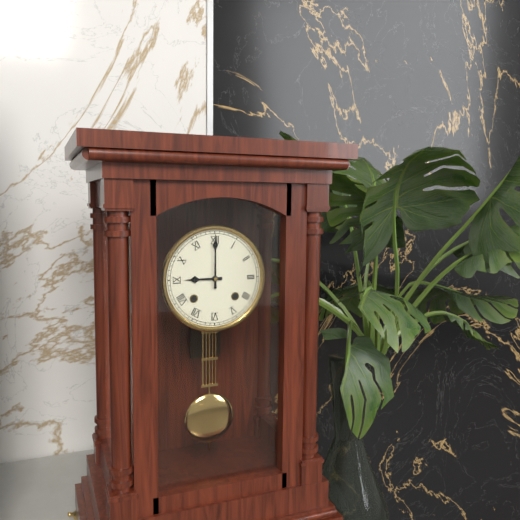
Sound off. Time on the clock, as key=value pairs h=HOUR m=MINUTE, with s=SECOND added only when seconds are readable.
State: h=9 m=0
